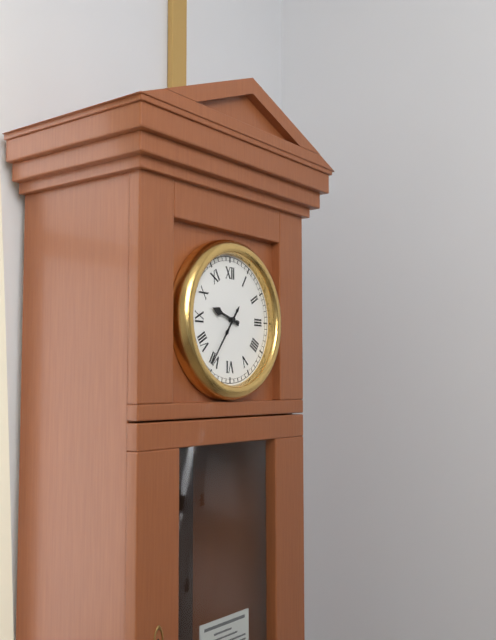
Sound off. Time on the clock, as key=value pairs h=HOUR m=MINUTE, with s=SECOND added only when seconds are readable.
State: h=9 m=36
